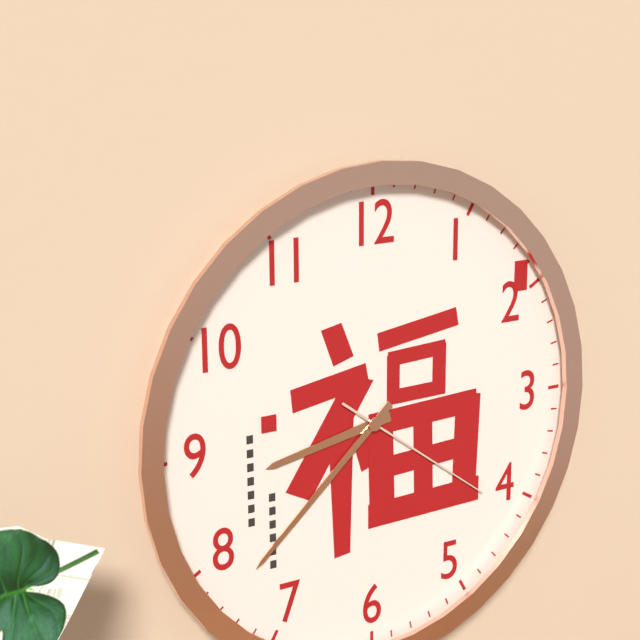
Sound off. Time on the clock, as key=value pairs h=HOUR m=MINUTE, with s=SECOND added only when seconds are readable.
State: h=8 m=38 s=21
